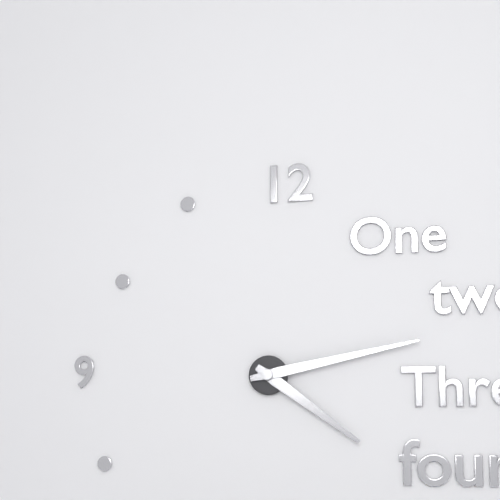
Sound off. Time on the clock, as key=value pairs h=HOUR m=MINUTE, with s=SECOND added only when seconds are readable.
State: h=4 m=13
